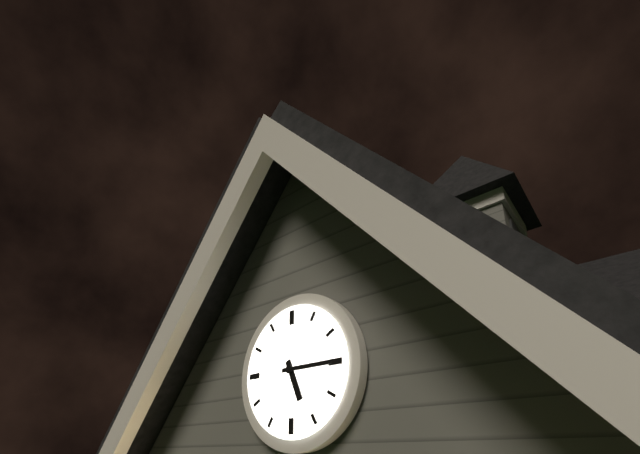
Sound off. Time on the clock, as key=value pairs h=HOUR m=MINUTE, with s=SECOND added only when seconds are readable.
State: h=5 m=15
